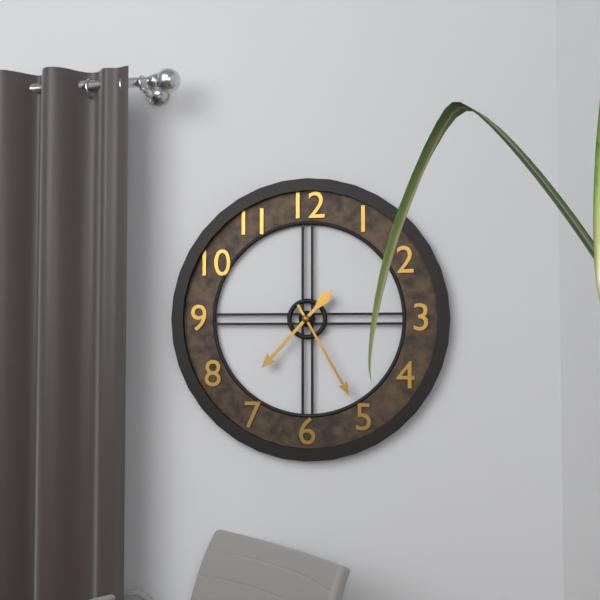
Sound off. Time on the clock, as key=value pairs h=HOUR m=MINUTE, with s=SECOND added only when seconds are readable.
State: h=7 m=25
